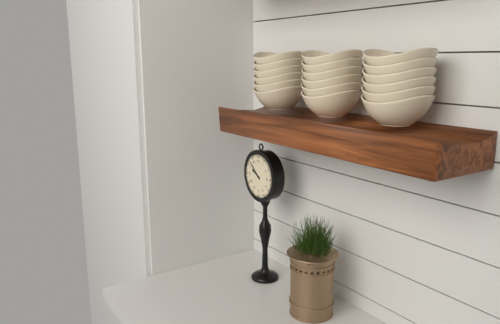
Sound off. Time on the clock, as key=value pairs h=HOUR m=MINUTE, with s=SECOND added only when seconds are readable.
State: h=9 m=52
